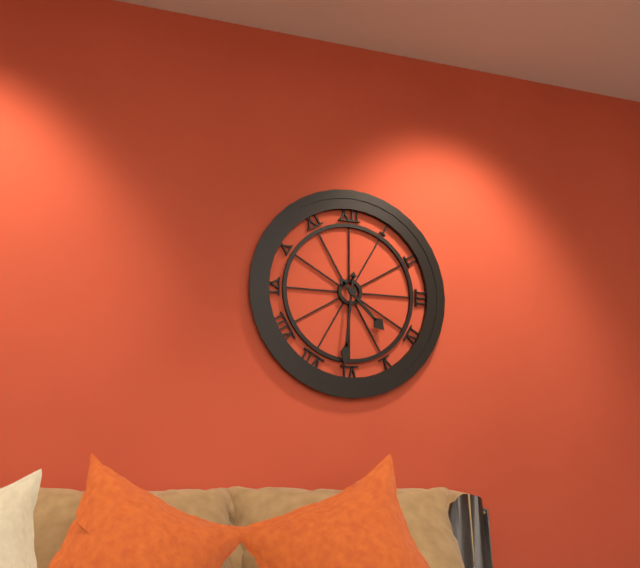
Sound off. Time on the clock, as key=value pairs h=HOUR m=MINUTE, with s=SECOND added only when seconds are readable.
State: h=4 m=31
